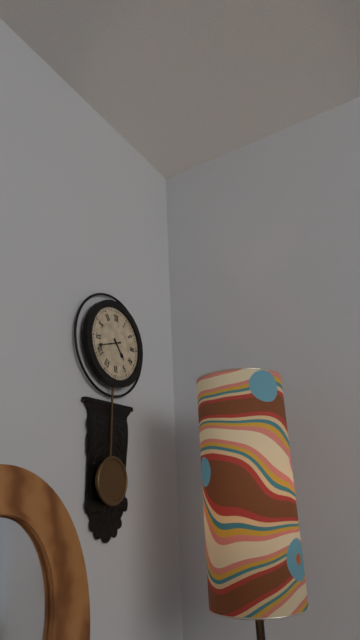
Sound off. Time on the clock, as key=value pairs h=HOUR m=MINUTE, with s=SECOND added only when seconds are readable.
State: h=4 m=42
